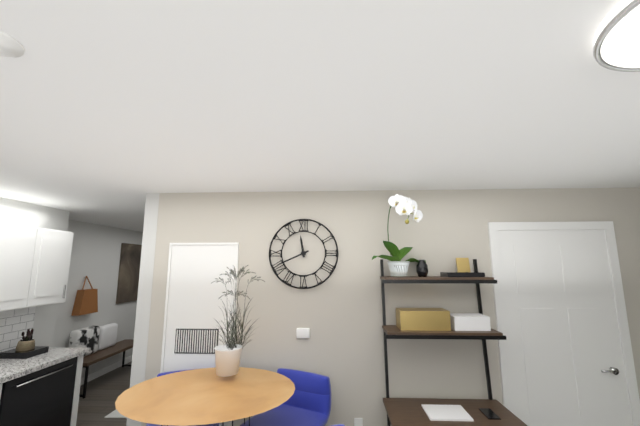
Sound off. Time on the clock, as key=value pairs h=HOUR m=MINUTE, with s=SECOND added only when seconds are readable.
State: h=11 m=41
